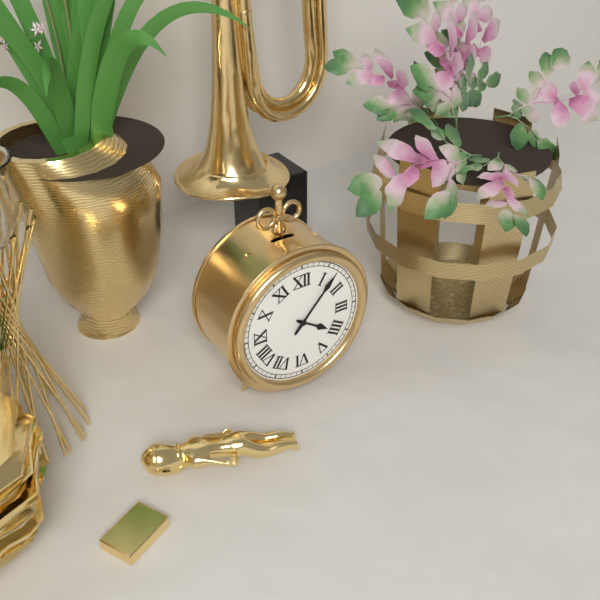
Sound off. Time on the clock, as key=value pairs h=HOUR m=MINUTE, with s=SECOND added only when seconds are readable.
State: h=4 m=7
